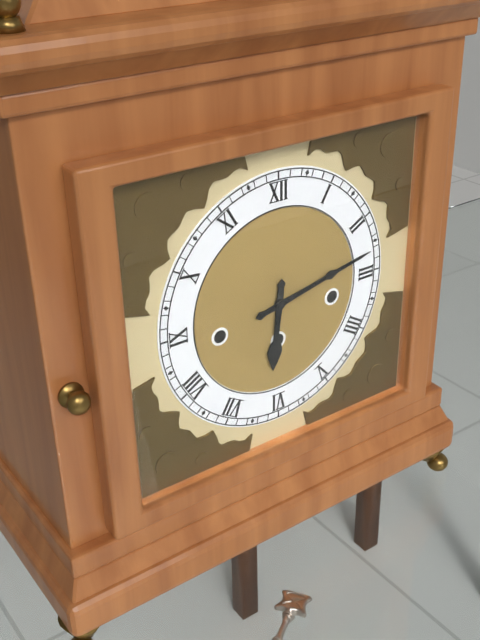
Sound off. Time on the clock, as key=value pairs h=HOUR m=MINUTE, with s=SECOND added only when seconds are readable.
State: h=6 m=13
